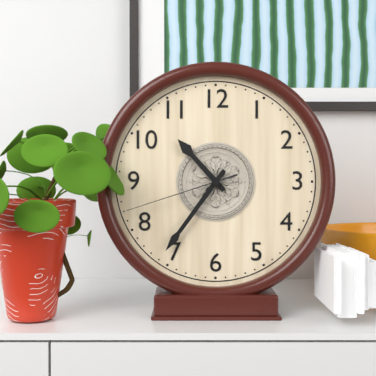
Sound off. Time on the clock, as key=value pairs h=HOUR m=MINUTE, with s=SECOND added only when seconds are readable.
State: h=10 m=36 s=42
